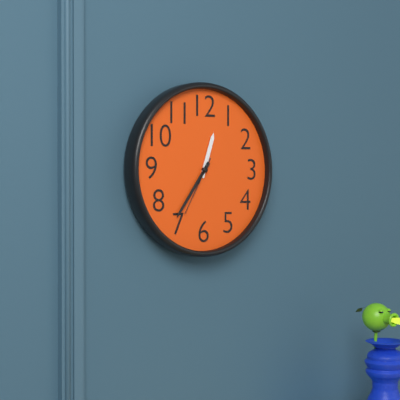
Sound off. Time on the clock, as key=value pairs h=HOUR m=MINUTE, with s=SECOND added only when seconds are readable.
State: h=12 m=36 s=35
